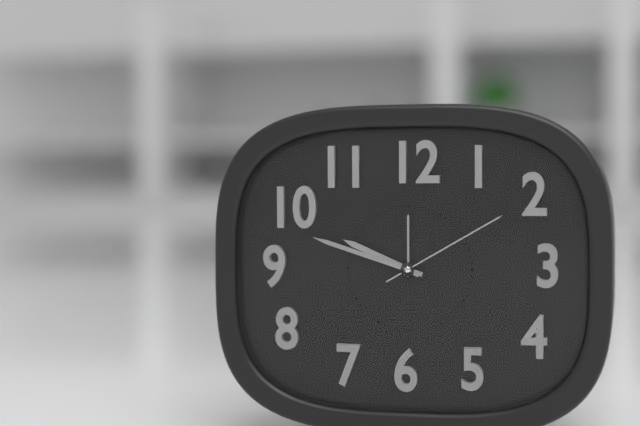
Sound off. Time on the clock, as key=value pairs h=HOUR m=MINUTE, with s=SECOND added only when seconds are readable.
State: h=9 m=48 s=10
